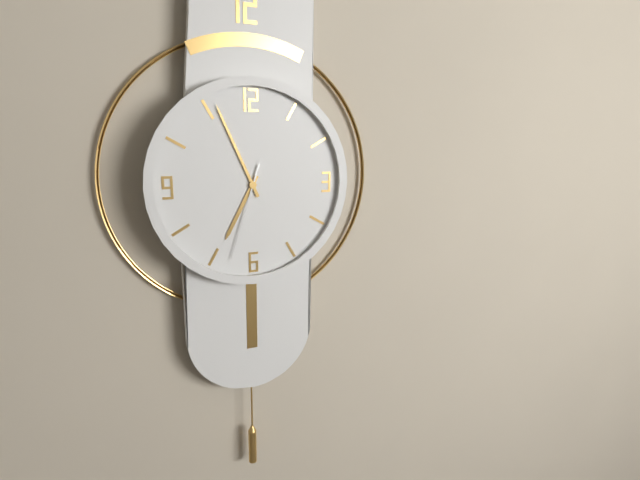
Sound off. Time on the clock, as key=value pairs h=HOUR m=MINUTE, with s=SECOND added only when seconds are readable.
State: h=6 m=56 s=33
